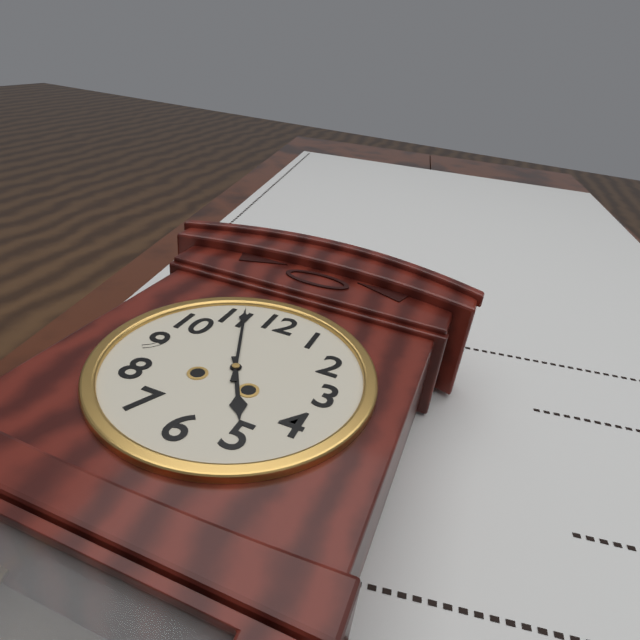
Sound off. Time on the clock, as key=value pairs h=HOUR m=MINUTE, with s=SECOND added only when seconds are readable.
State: h=4 m=56
